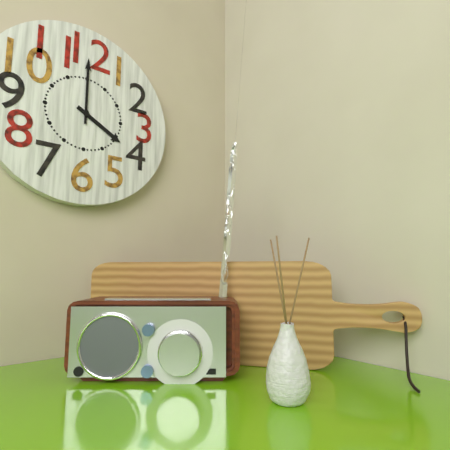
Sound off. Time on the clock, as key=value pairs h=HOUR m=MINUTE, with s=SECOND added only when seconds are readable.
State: h=4 m=0
